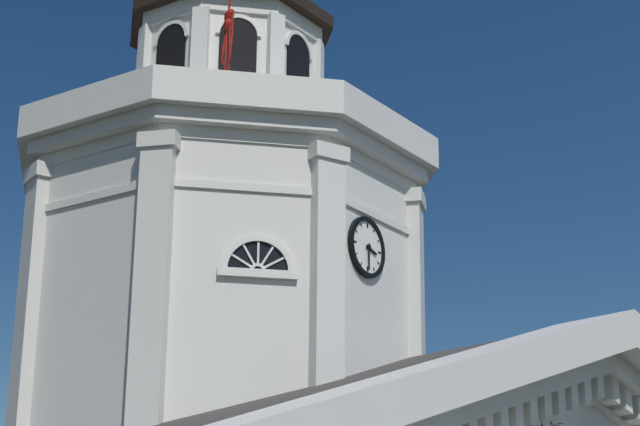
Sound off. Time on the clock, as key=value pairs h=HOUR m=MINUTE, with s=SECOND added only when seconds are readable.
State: h=3 m=30
